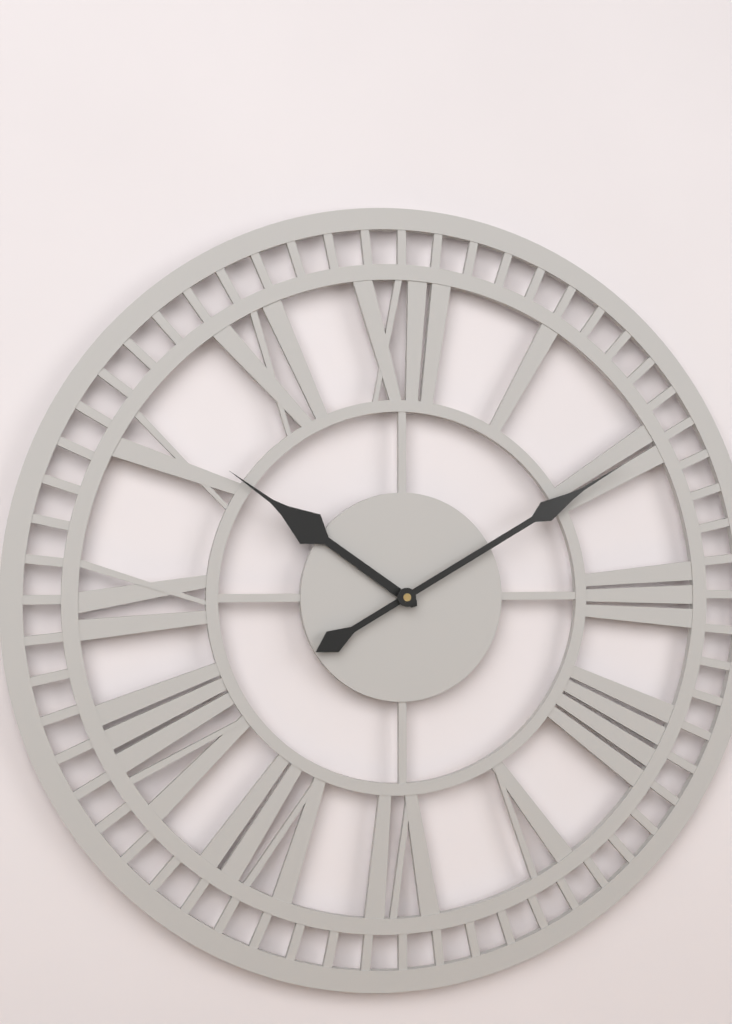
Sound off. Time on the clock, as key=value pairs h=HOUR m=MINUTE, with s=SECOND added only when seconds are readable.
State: h=10 m=10
